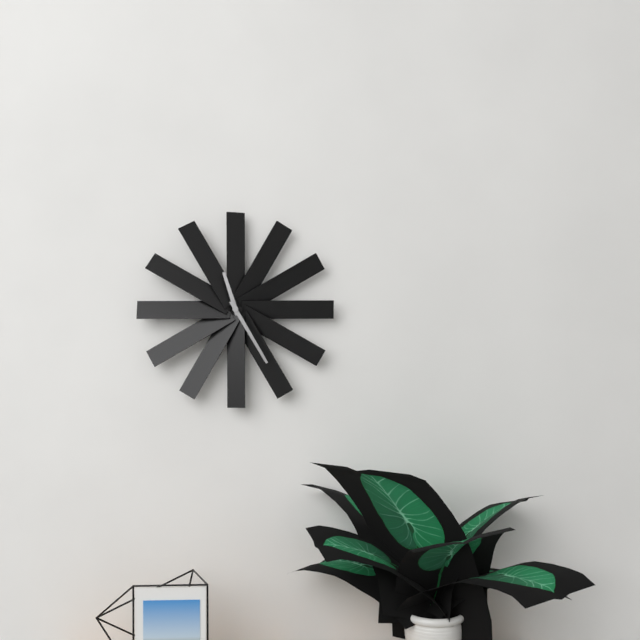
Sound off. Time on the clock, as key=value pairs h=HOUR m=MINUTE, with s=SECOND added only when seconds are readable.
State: h=11 m=25
